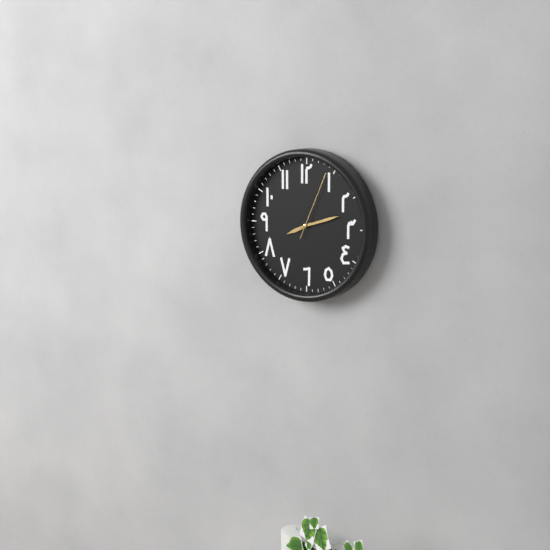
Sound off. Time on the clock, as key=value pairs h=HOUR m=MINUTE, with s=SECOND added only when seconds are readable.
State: h=8 m=12 s=4
